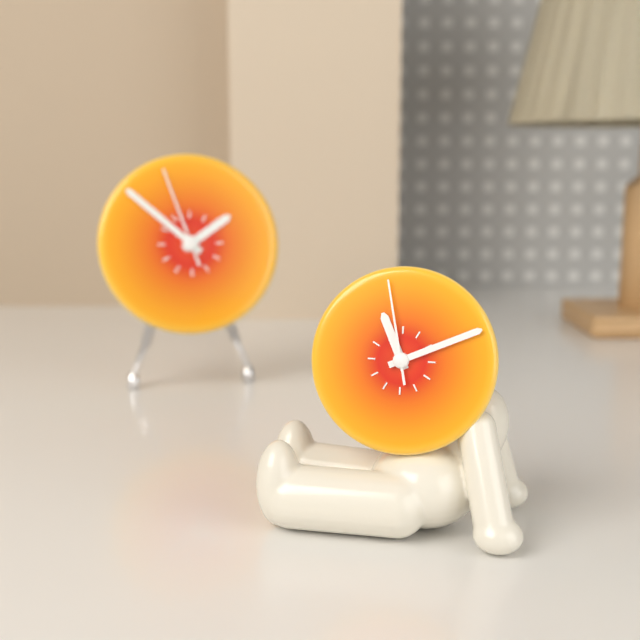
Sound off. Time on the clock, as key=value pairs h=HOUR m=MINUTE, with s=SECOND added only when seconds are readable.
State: h=11 m=11 s=58
